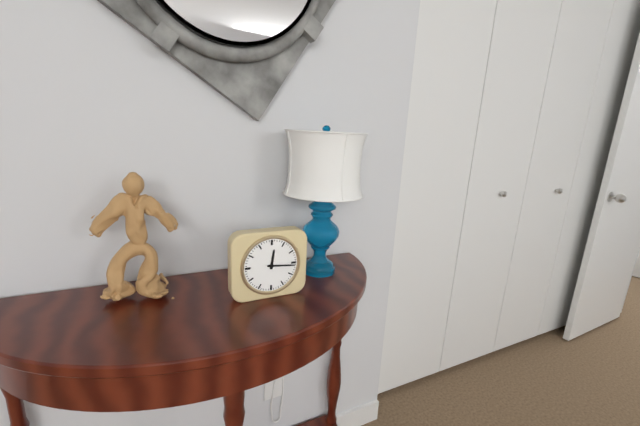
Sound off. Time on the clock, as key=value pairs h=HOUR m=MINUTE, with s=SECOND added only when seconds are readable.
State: h=12 m=16
